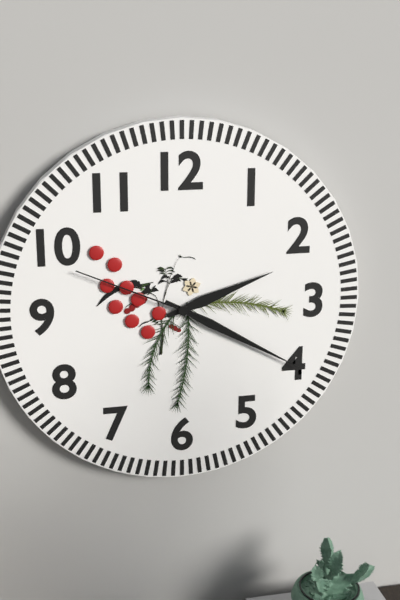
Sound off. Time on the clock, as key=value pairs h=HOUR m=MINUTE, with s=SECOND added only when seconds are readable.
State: h=2 m=20 s=49
